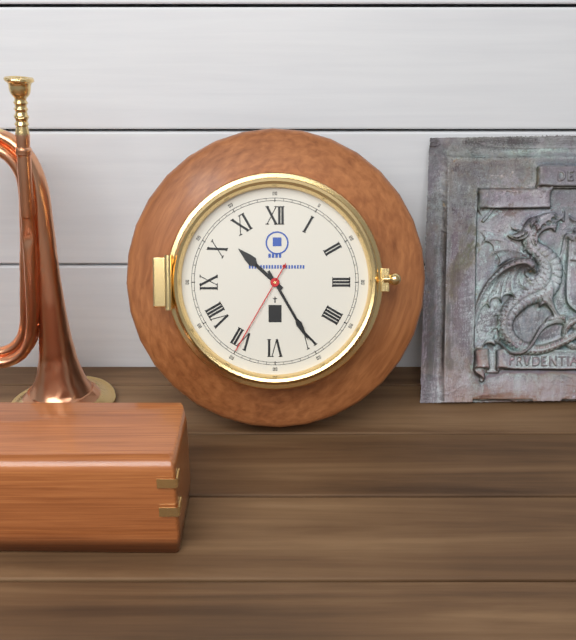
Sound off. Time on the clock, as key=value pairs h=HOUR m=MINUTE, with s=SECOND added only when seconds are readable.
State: h=10 m=25 s=35
